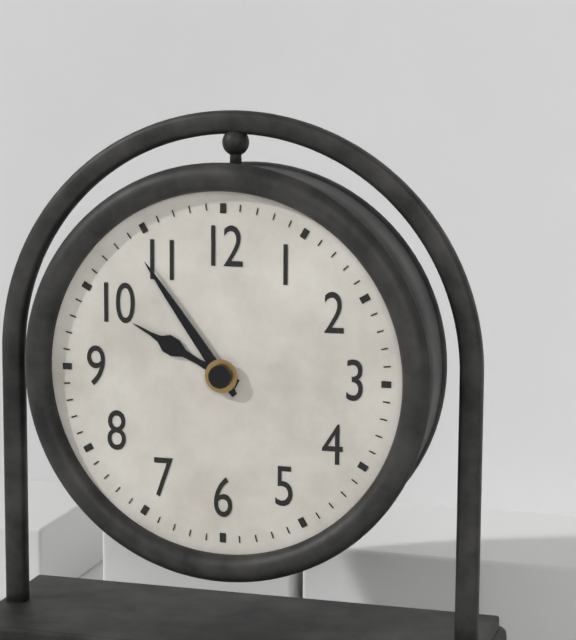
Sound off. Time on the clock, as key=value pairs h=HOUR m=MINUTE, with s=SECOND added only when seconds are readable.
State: h=9 m=54
